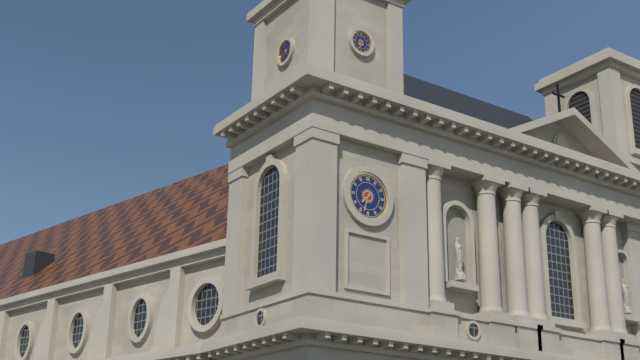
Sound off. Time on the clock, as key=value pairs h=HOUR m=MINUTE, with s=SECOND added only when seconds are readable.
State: h=7 m=33
